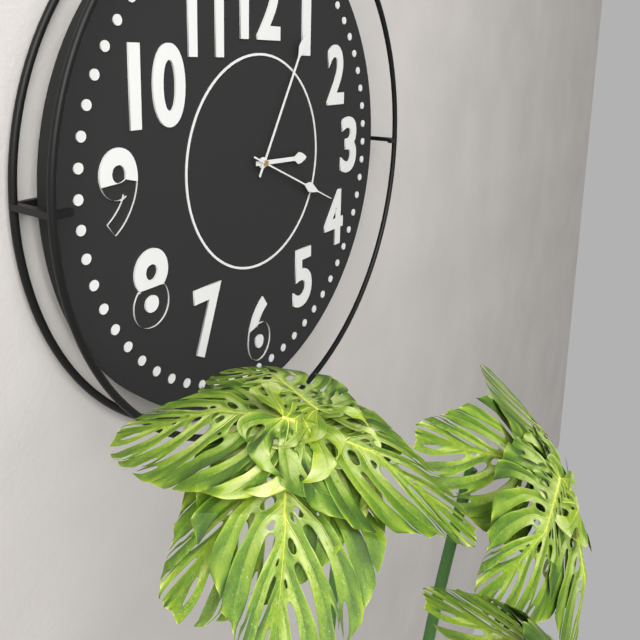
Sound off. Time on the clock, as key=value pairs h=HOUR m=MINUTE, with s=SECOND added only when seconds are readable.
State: h=3 m=5 s=19
